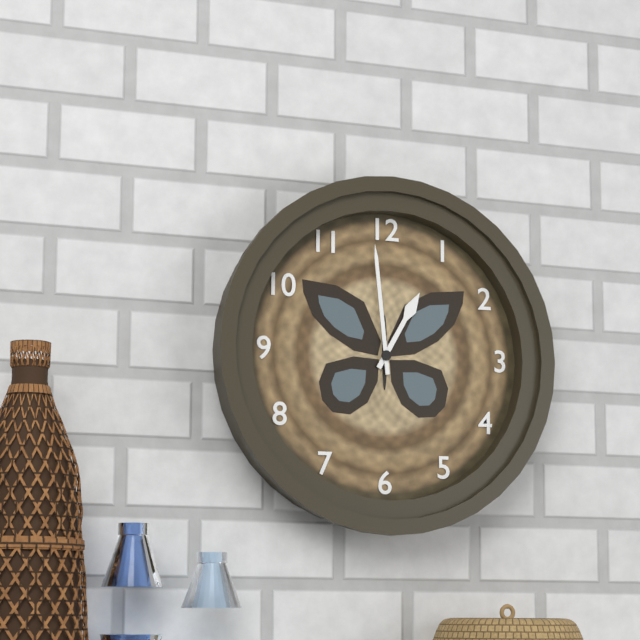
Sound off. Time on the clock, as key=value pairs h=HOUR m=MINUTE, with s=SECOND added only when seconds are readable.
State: h=12 m=59
